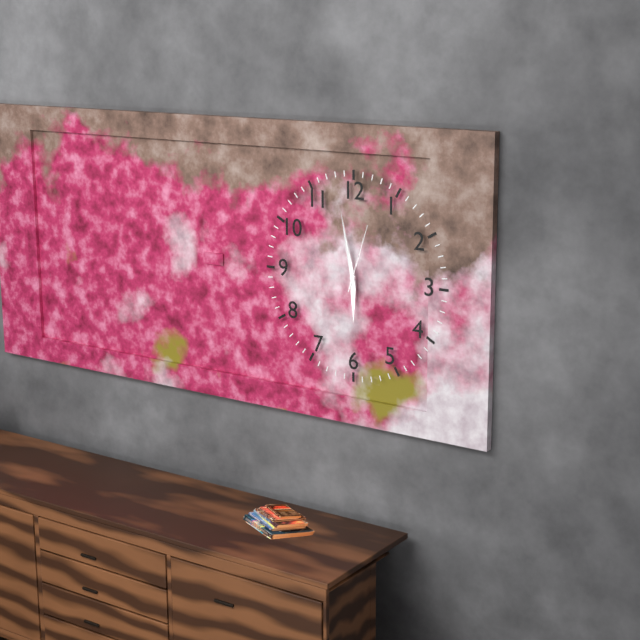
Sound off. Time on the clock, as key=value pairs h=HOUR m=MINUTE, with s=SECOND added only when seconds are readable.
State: h=5 m=58 s=3
